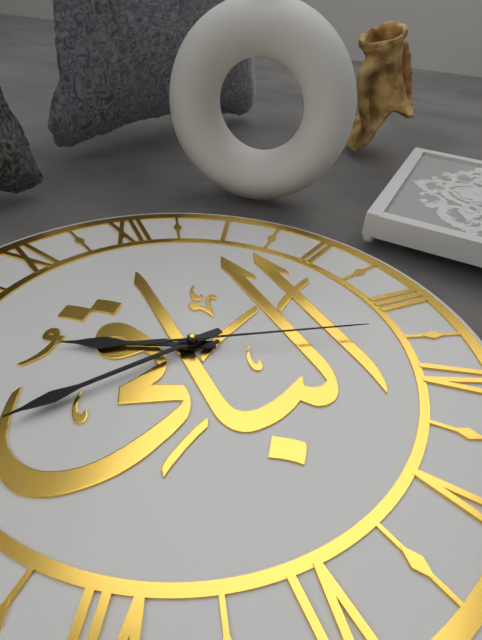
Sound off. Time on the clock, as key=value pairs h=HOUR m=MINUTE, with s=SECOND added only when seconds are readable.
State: h=9 m=43 s=17
